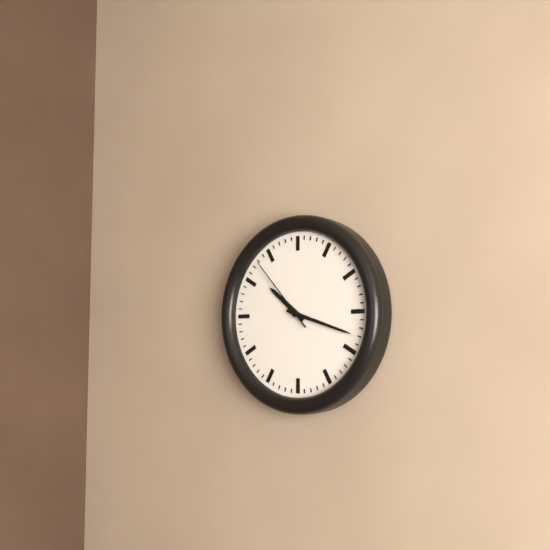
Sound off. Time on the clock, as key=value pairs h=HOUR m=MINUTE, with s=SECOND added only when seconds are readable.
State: h=10 m=18 s=53
